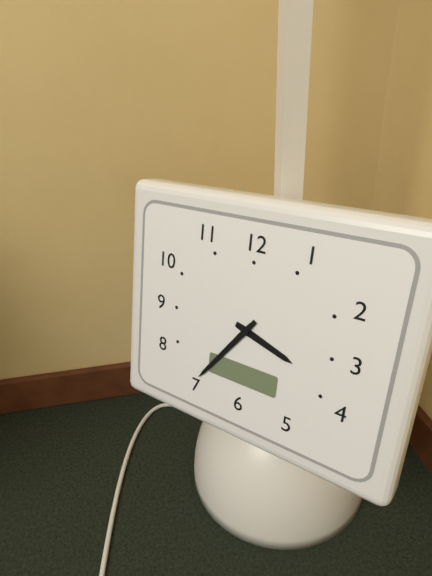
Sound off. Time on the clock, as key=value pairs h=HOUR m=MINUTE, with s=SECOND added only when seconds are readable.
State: h=3 m=36
